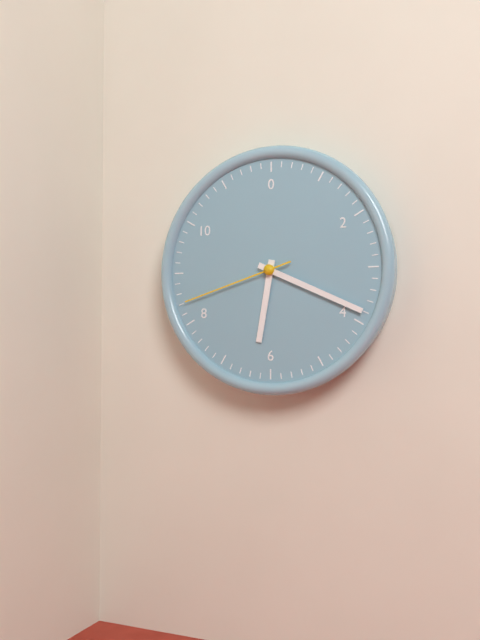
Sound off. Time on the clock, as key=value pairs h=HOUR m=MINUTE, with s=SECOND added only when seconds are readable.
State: h=6 m=19 s=42
